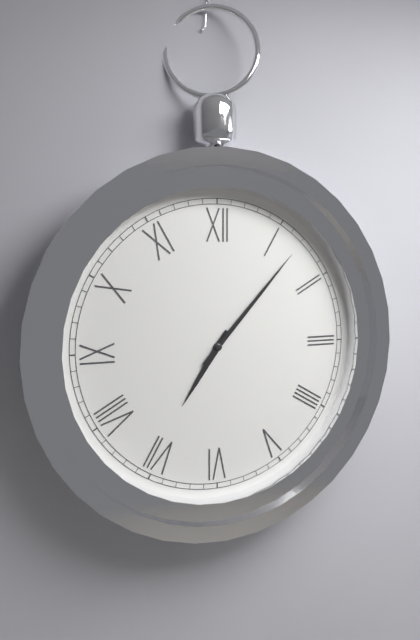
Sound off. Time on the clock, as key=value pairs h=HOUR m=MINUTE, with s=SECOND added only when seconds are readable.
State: h=7 m=7
